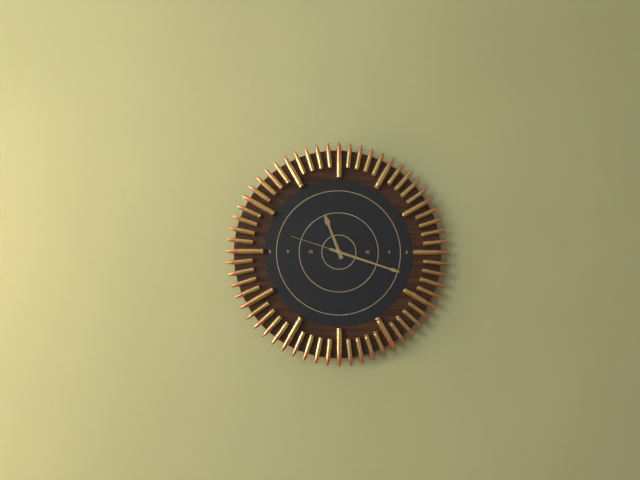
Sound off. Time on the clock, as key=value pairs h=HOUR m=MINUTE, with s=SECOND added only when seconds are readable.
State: h=11 m=18 s=48
